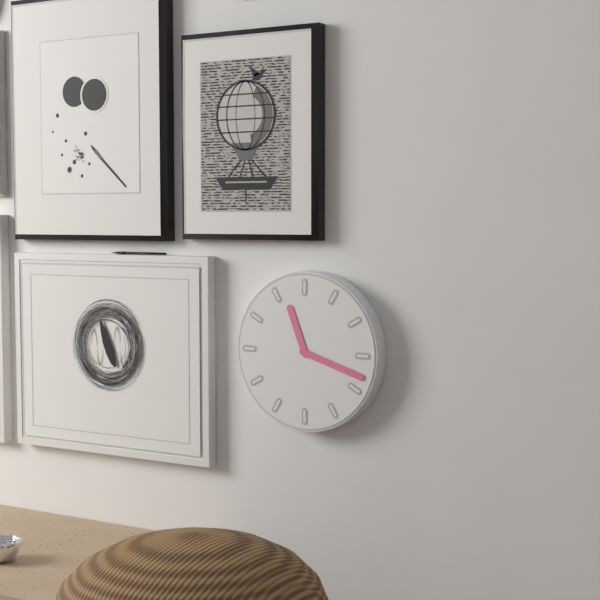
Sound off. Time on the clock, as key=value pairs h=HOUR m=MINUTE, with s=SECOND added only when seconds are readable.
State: h=11 m=18
